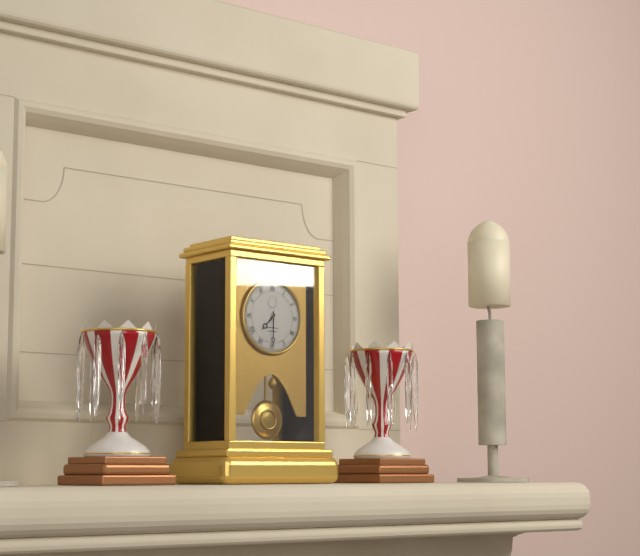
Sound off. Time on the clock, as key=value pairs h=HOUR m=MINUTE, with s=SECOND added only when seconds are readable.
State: h=7 m=30
